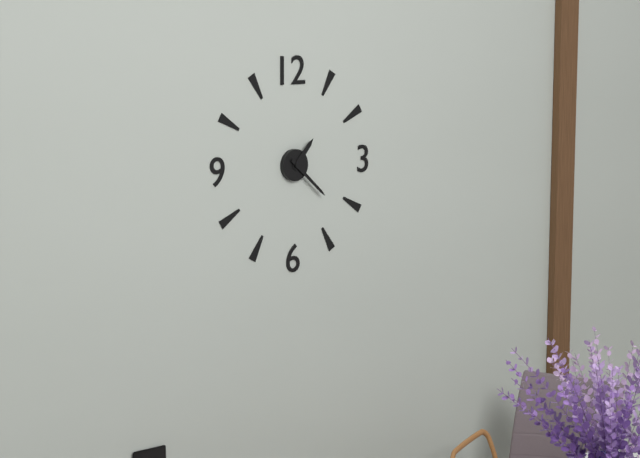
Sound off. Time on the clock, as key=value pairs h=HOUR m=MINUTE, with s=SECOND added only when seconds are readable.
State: h=1 m=22
